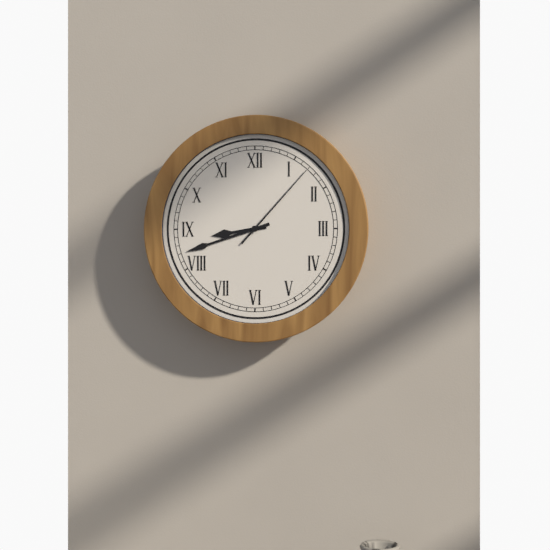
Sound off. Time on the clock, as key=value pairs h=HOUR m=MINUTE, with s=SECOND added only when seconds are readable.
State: h=8 m=42 s=7
